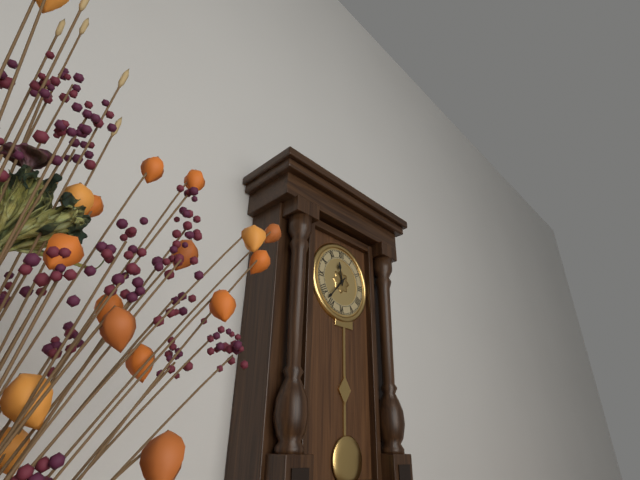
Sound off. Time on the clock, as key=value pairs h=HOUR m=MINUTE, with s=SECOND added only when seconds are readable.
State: h=11 m=37
